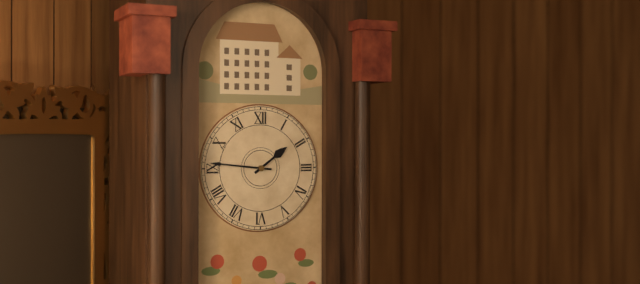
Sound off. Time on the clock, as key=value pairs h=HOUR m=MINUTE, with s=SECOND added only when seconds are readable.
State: h=1 m=46
